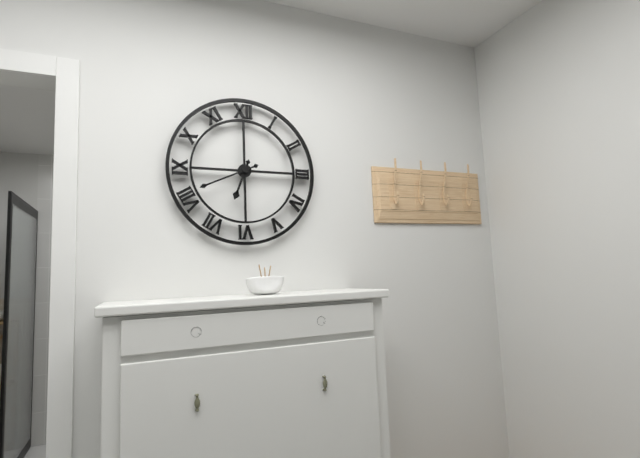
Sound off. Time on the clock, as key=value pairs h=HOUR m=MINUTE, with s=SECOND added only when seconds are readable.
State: h=6 m=41
